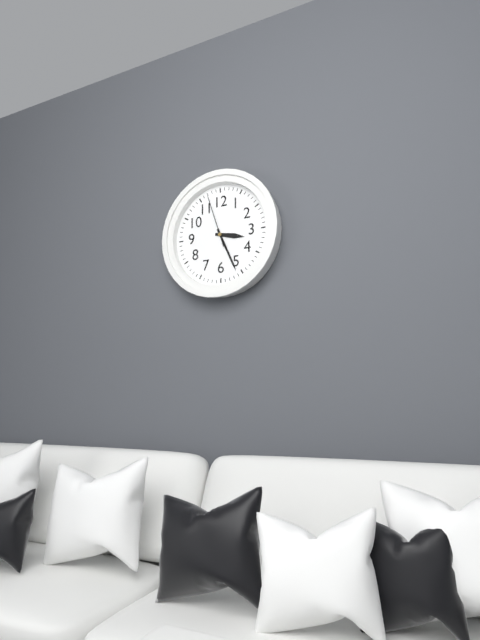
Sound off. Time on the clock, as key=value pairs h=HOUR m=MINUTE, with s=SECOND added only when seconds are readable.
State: h=3 m=26 s=57
